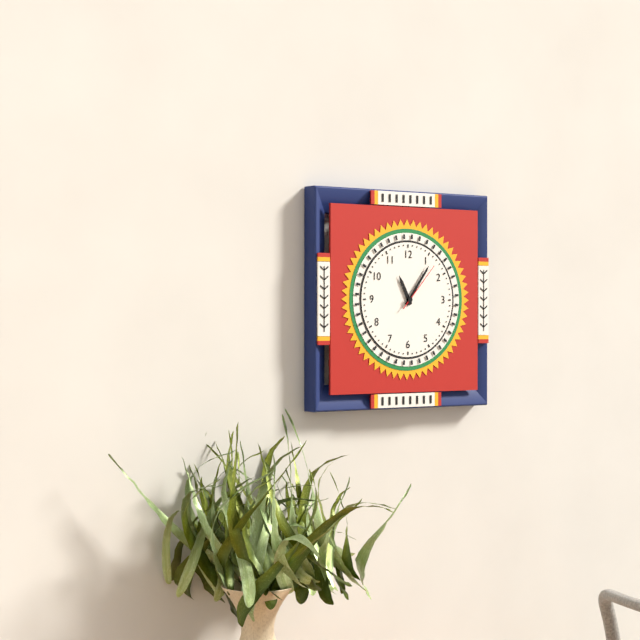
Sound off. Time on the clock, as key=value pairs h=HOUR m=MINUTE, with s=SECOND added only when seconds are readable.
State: h=11 m=6 s=7
